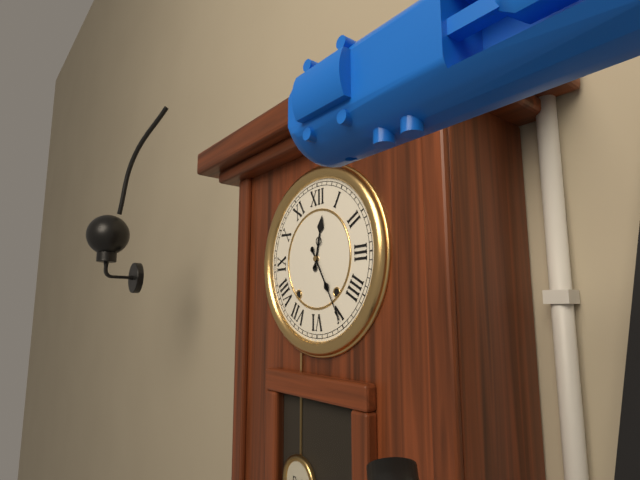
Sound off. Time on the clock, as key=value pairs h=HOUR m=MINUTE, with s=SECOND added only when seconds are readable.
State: h=12 m=25
